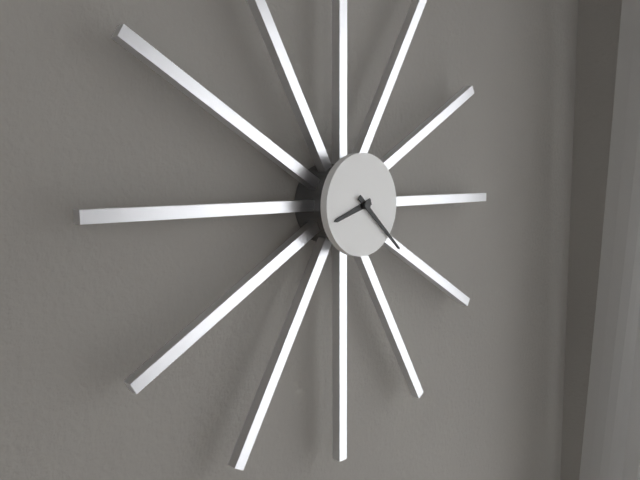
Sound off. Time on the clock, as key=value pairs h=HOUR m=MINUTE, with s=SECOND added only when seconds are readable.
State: h=8 m=22
